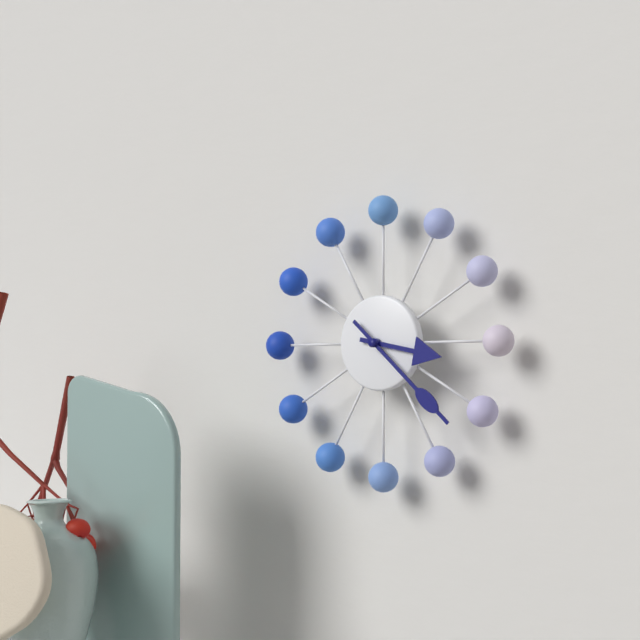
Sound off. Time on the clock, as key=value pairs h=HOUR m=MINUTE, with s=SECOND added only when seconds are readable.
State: h=3 m=22
